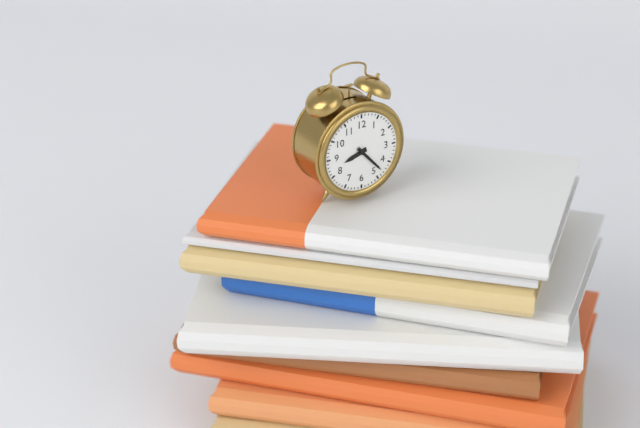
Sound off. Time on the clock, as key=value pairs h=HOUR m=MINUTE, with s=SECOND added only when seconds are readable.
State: h=8 m=23
